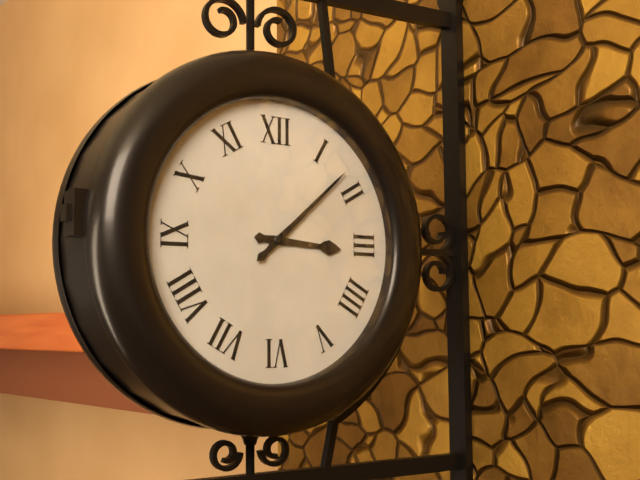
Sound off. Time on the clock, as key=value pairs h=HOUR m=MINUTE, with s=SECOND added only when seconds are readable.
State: h=3 m=8
